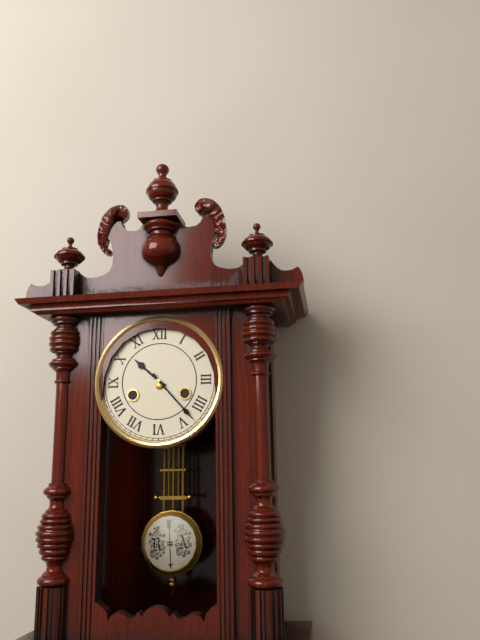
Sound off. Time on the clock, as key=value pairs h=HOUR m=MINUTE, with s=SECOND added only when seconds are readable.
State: h=10 m=23
